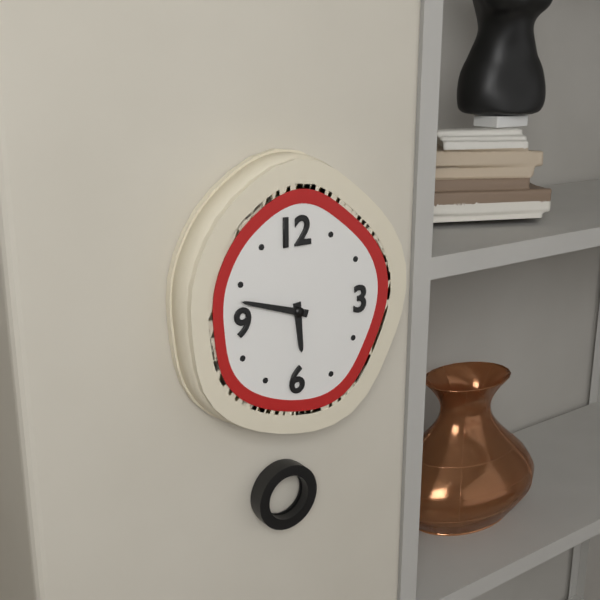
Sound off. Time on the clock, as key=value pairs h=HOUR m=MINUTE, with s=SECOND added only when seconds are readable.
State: h=5 m=48
